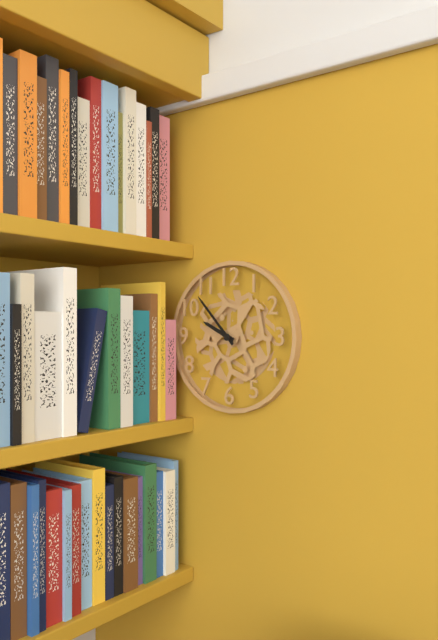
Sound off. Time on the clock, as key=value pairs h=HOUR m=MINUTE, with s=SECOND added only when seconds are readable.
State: h=9 m=53
